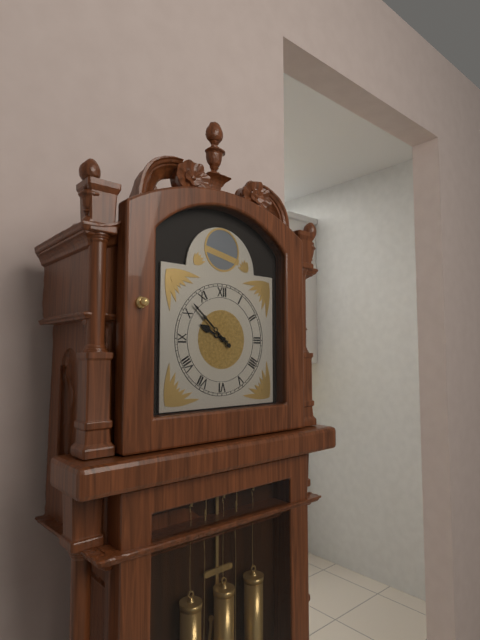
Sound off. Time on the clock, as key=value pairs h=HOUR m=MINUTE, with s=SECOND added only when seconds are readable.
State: h=9 m=52
